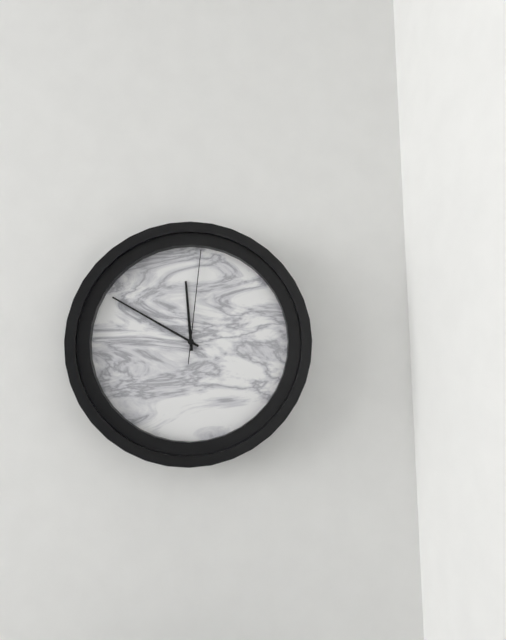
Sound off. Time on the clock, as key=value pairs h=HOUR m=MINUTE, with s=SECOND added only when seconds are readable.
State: h=11 m=50 s=1
